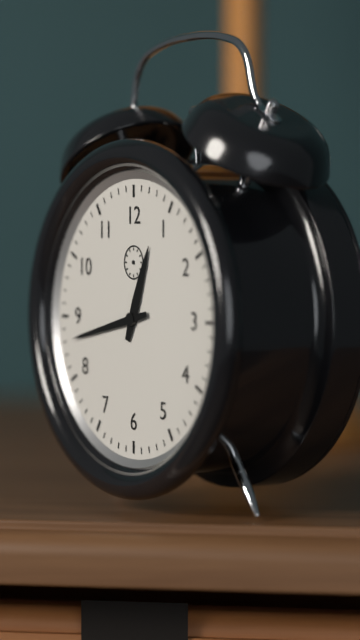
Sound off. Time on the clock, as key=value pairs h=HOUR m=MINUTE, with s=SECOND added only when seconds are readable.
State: h=12 m=43
